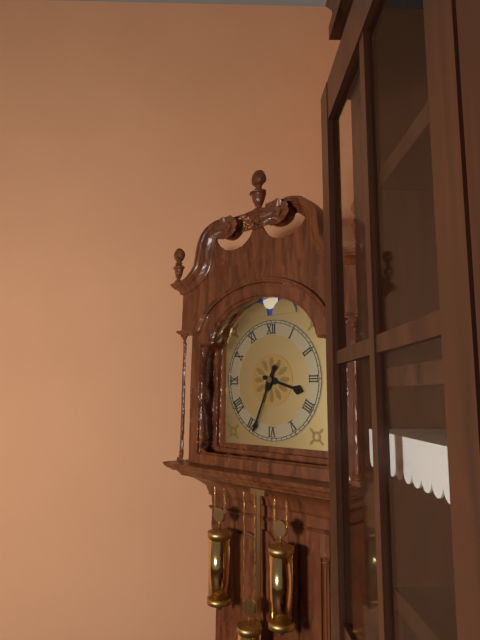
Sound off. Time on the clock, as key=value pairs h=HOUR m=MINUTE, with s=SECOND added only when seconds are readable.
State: h=3 m=34
